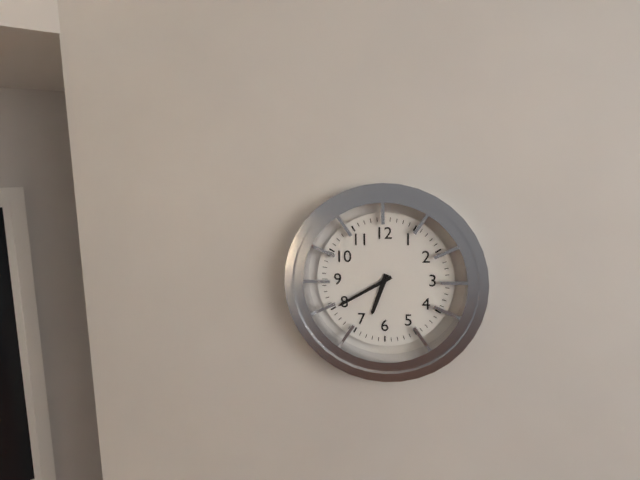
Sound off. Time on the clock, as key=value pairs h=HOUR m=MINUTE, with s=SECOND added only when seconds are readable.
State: h=6 m=40
